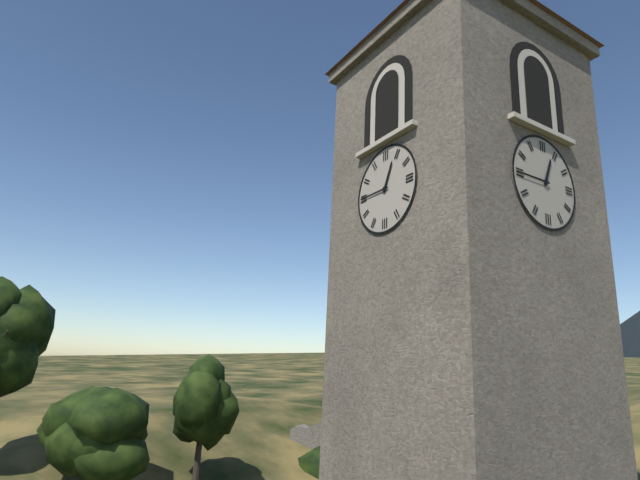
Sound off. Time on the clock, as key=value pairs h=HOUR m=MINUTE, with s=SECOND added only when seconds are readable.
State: h=12 m=45
